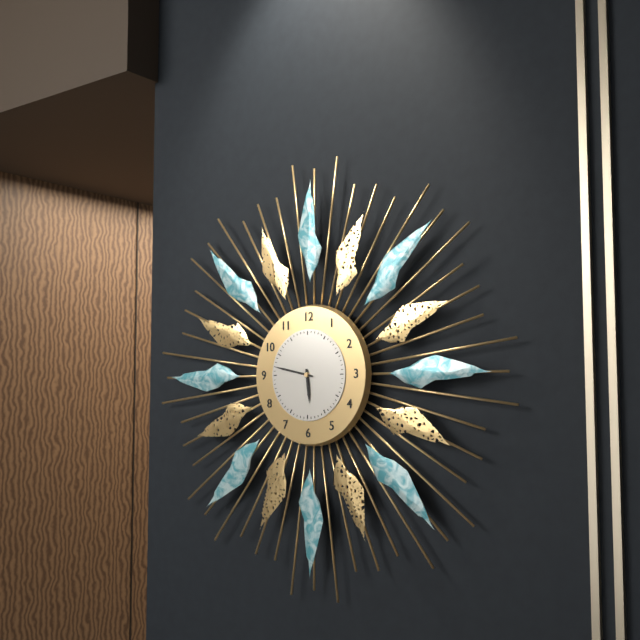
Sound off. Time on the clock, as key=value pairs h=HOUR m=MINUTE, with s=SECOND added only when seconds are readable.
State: h=5 m=47
